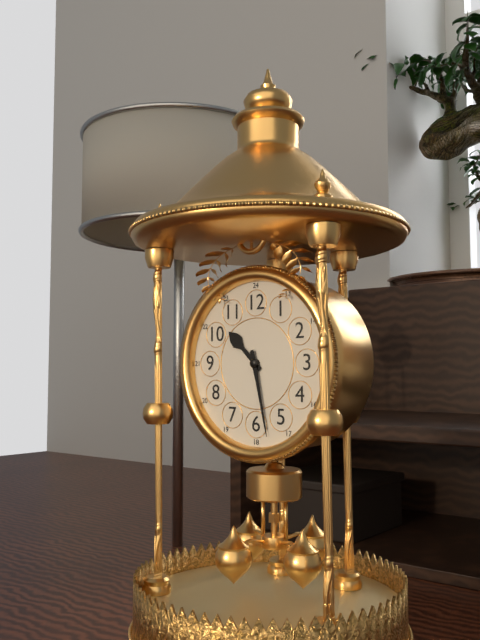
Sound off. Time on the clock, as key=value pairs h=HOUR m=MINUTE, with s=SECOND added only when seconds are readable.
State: h=10 m=28
